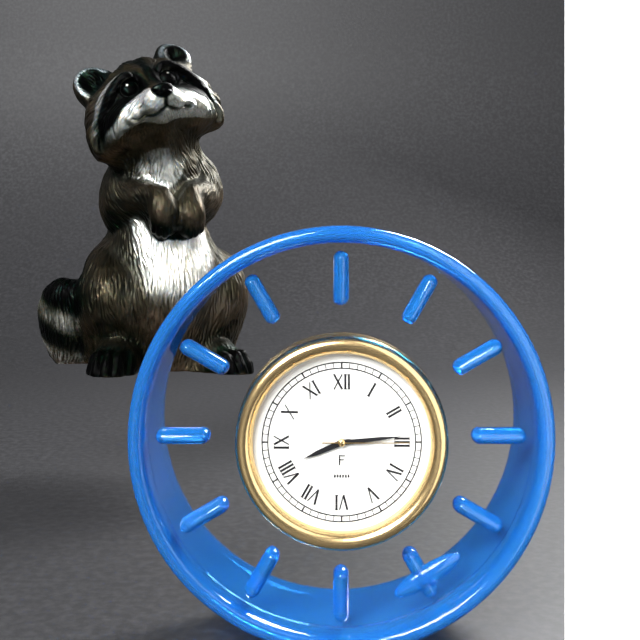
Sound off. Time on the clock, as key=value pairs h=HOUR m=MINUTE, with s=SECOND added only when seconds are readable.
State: h=8 m=14 s=15
